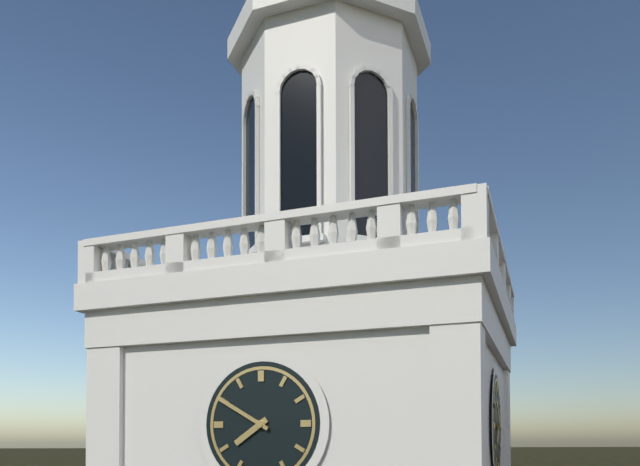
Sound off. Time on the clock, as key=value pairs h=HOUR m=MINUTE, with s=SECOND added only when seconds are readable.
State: h=7 m=50
